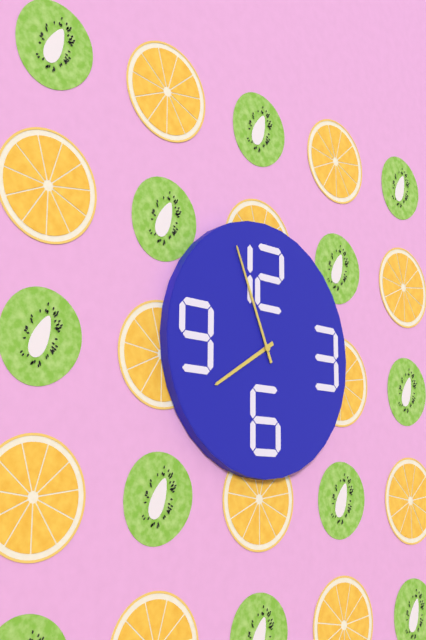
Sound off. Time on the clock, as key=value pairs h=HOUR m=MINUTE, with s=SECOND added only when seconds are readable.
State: h=7 m=56
